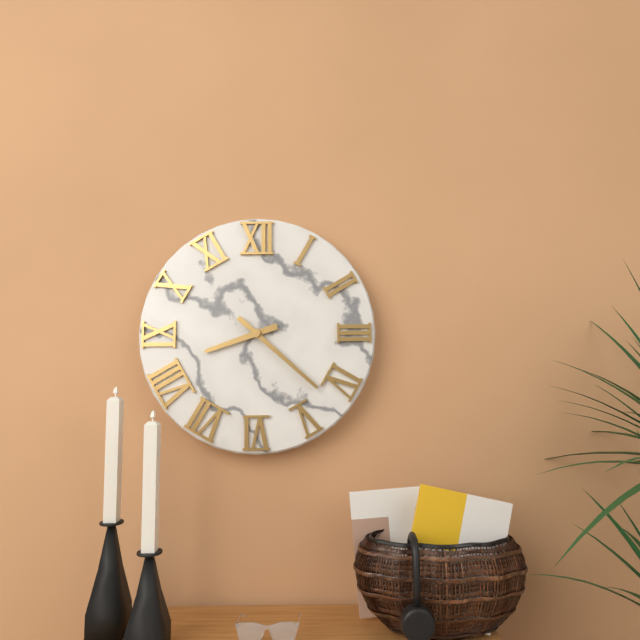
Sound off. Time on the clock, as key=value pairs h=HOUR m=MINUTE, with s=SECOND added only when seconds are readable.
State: h=8 m=22
